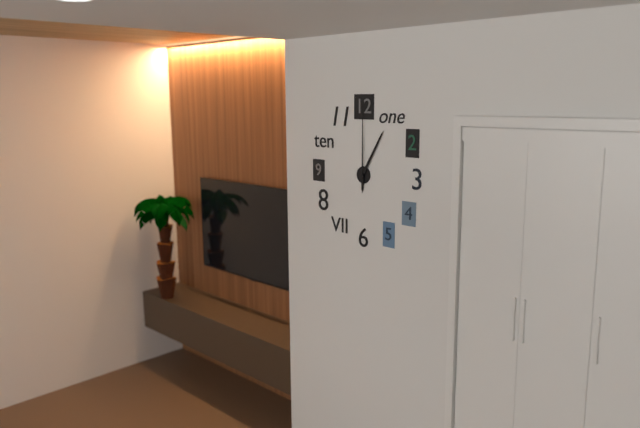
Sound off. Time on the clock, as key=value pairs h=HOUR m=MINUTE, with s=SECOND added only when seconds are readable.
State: h=6 m=5 s=0
